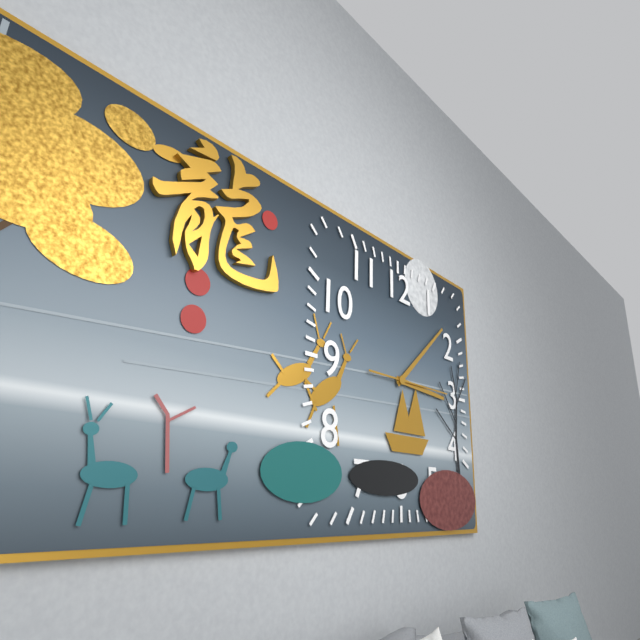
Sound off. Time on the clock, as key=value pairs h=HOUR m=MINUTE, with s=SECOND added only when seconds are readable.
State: h=3 m=8 s=15
